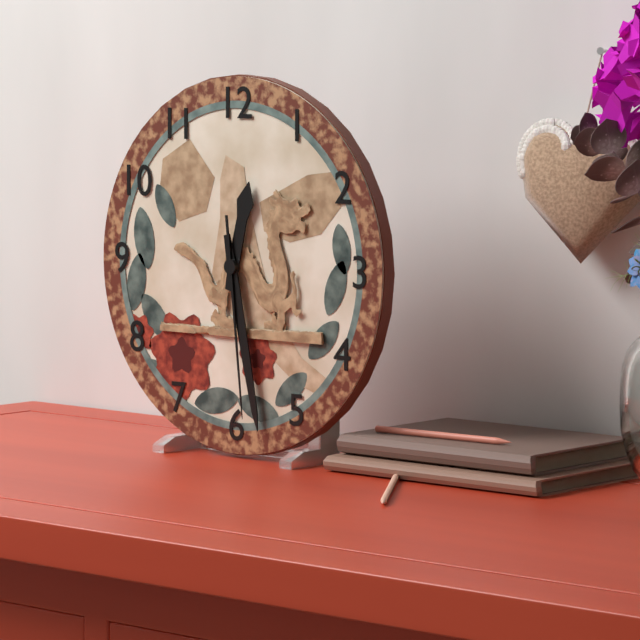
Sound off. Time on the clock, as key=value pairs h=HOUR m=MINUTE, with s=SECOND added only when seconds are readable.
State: h=12 m=28 s=29
